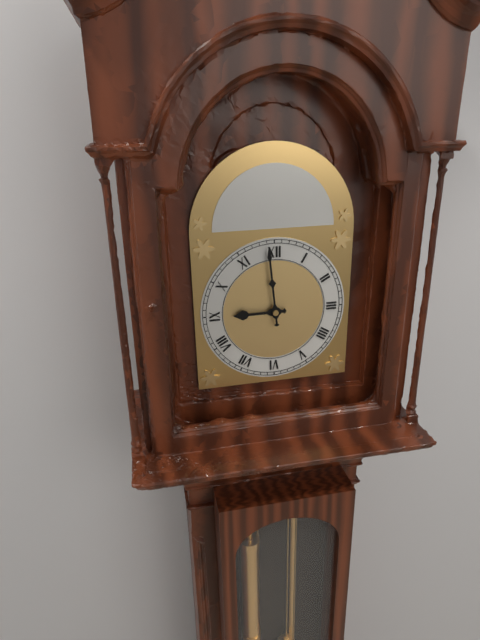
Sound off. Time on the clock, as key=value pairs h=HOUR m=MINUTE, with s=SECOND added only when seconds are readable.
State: h=8 m=59
